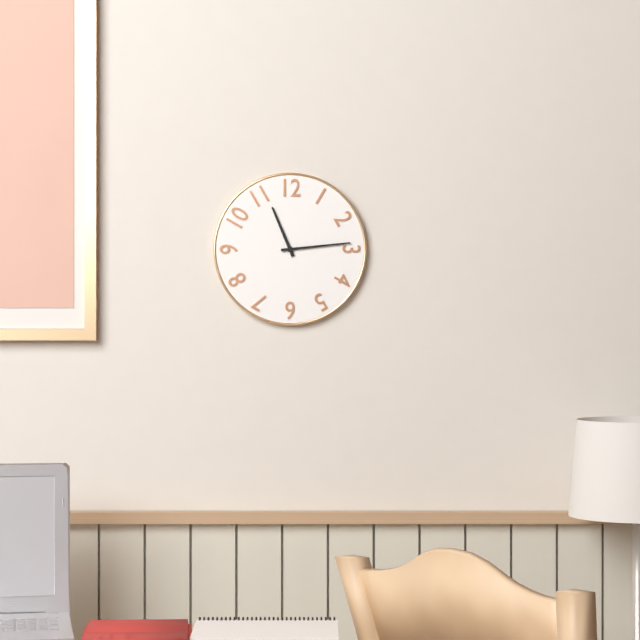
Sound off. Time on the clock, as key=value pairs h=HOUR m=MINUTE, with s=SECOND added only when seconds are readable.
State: h=11 m=14
